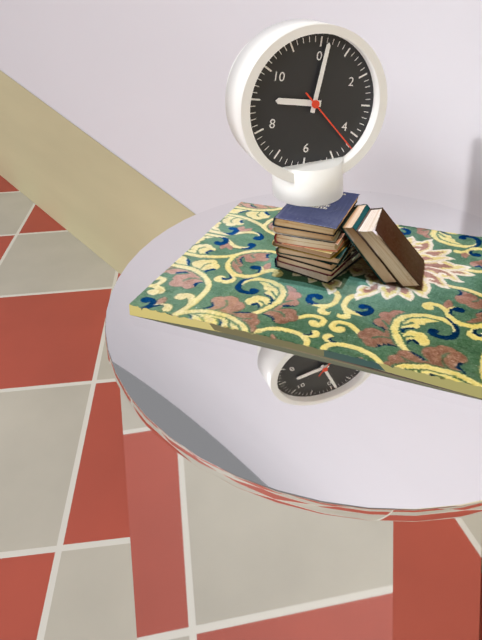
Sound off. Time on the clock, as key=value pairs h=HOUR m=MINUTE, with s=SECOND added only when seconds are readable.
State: h=9 m=1 s=22
